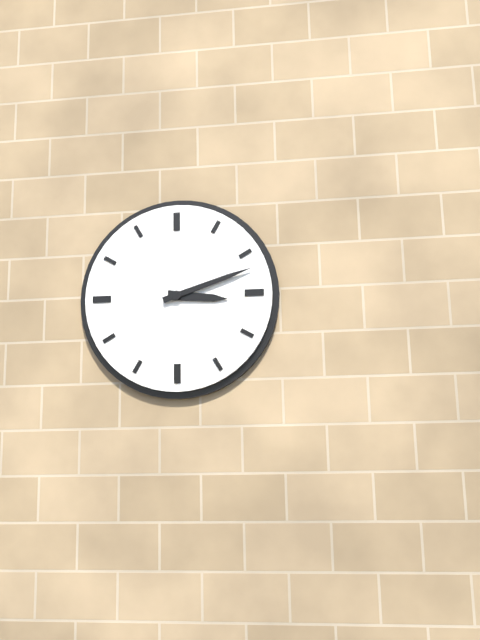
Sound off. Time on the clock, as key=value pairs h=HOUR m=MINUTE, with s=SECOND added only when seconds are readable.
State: h=3 m=12
